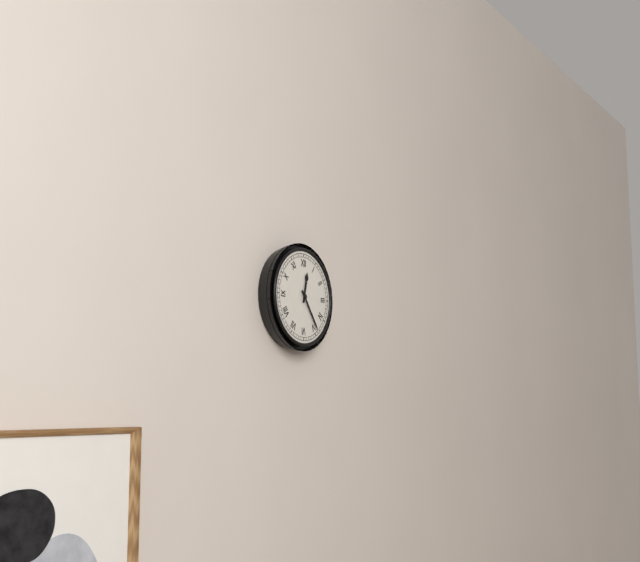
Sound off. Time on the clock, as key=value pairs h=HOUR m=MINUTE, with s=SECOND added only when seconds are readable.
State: h=12 m=24
